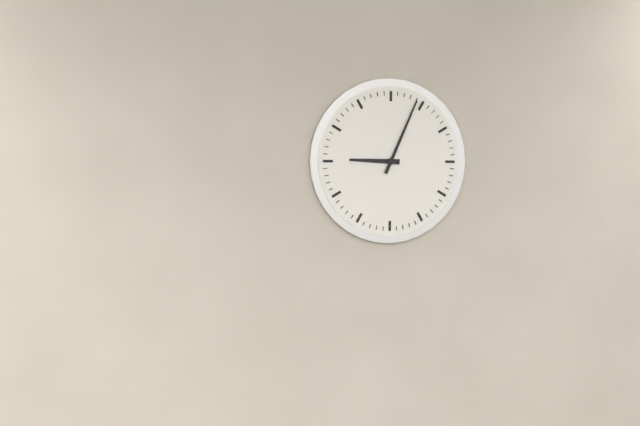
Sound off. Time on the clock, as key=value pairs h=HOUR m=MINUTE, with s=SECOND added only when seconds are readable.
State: h=9 m=4
